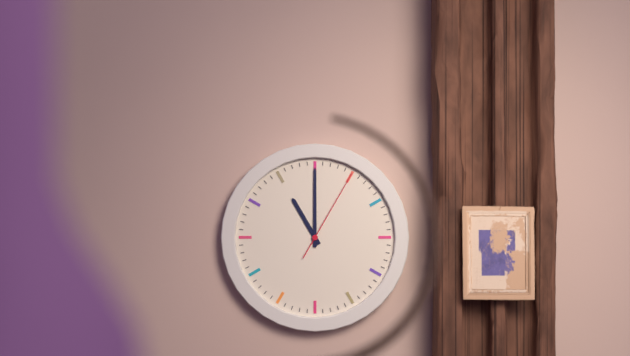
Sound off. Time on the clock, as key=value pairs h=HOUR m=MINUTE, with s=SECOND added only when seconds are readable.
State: h=11 m=0 s=5
